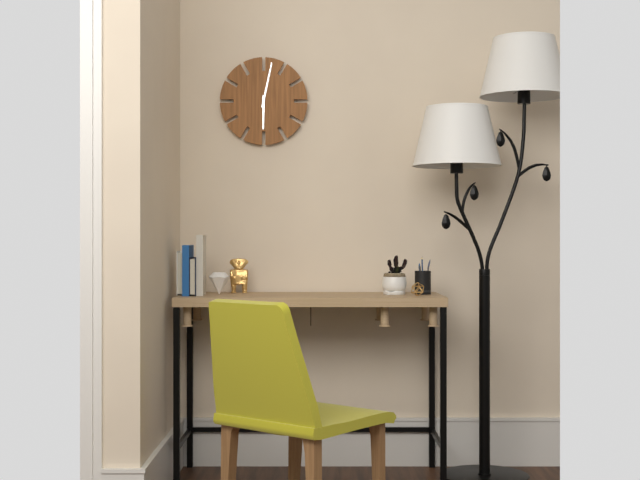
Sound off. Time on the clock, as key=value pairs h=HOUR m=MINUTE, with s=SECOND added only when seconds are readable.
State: h=6 m=2
